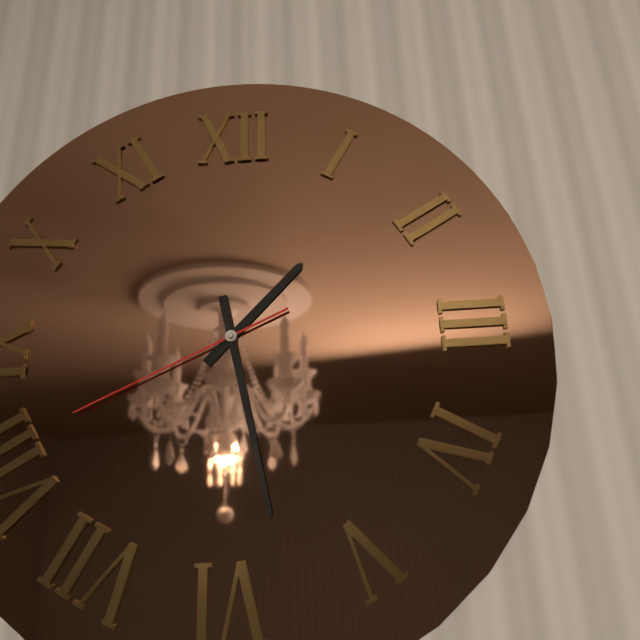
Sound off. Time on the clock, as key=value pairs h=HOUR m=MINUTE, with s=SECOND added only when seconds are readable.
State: h=1 m=28 s=41
